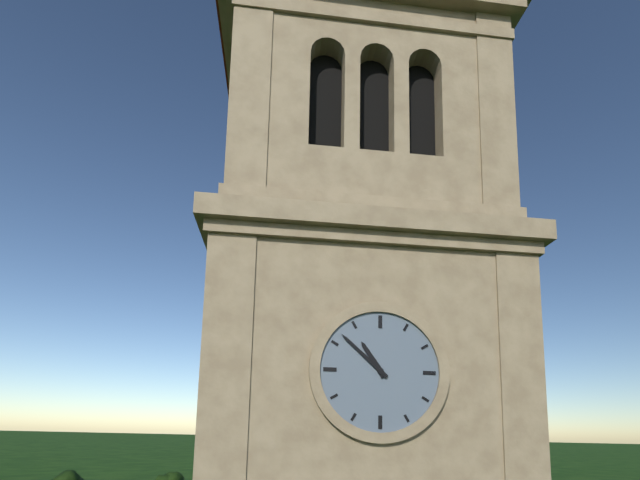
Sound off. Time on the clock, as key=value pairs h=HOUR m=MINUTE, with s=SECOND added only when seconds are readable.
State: h=10 m=52
